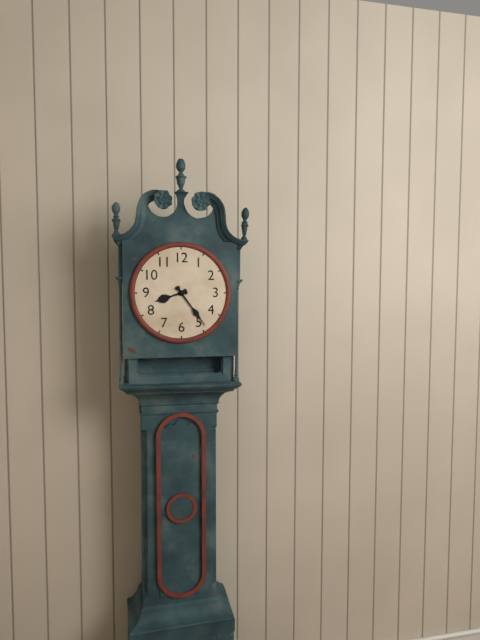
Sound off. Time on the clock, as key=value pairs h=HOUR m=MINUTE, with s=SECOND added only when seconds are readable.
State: h=8 m=24
